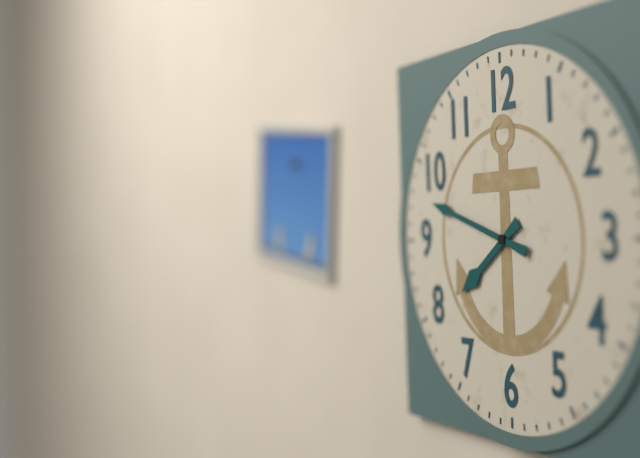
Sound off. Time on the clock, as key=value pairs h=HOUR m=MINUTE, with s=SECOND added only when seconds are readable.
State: h=7 m=48
